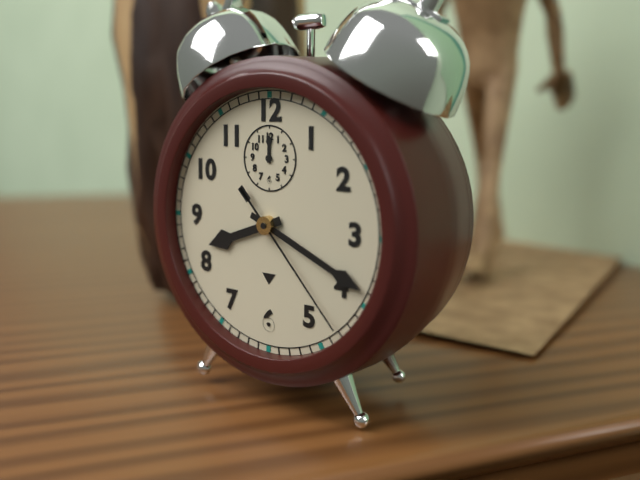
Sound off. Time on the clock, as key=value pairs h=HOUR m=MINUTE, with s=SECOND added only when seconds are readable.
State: h=8 m=19 s=23
